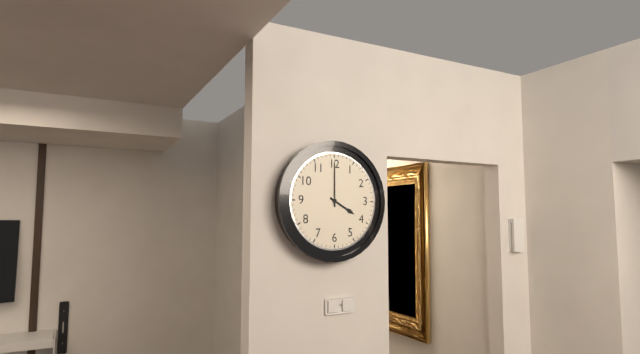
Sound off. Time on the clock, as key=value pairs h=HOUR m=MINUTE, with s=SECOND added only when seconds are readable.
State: h=4 m=0
